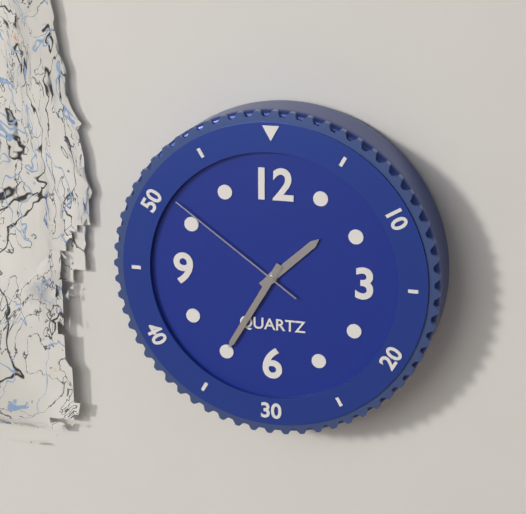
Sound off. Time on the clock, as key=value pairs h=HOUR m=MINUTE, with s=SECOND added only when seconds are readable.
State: h=1 m=35 s=51
